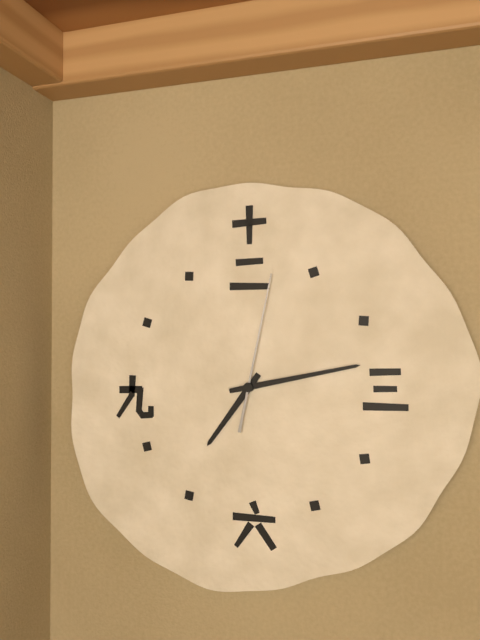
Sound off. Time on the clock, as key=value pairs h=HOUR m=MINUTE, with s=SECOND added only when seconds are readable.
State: h=7 m=13 s=2
